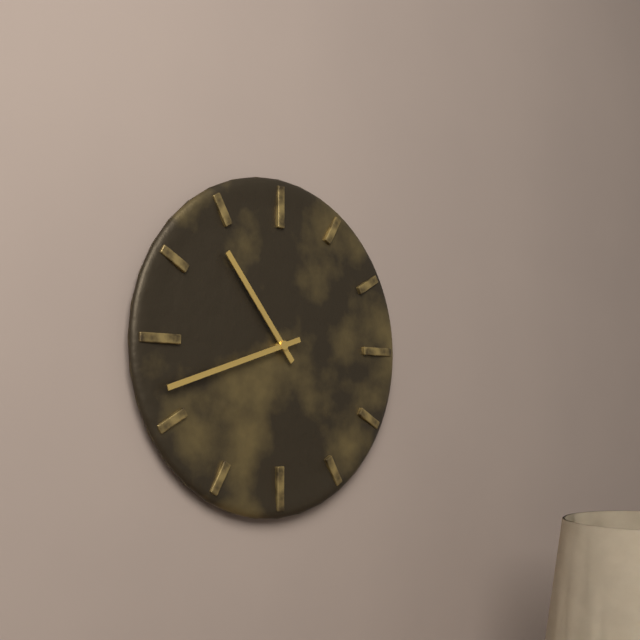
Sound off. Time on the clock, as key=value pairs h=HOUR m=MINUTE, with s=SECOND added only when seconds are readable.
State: h=10 m=42
